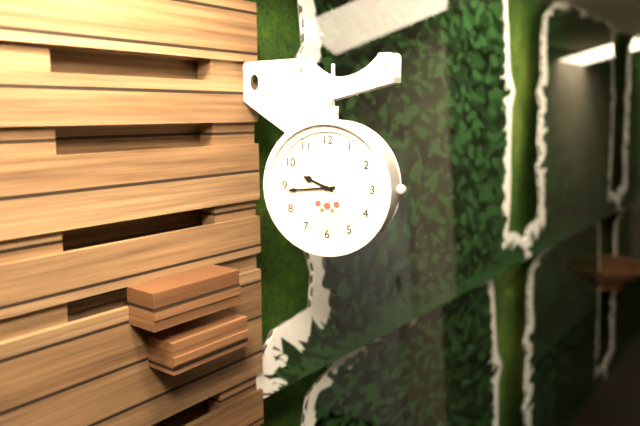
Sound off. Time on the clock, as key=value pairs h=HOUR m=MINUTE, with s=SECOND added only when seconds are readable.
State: h=9 m=44
